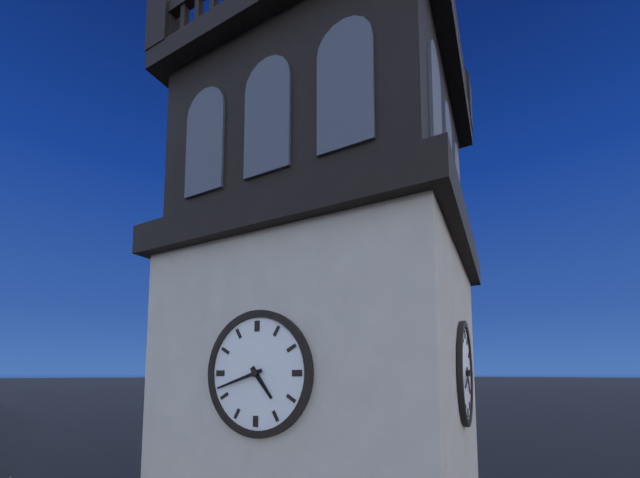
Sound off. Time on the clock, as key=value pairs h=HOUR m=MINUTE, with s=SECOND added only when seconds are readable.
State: h=4 m=42
